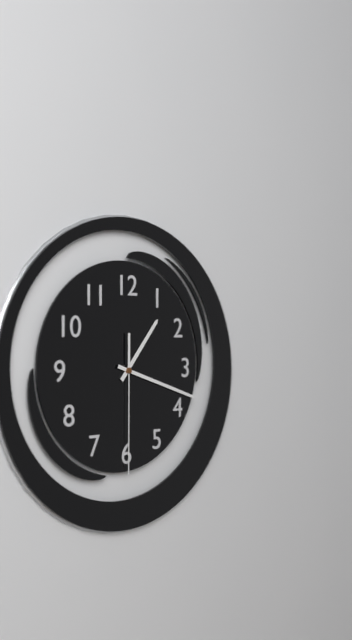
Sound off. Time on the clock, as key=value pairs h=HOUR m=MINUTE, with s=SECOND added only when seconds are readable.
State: h=1 m=18 s=30
